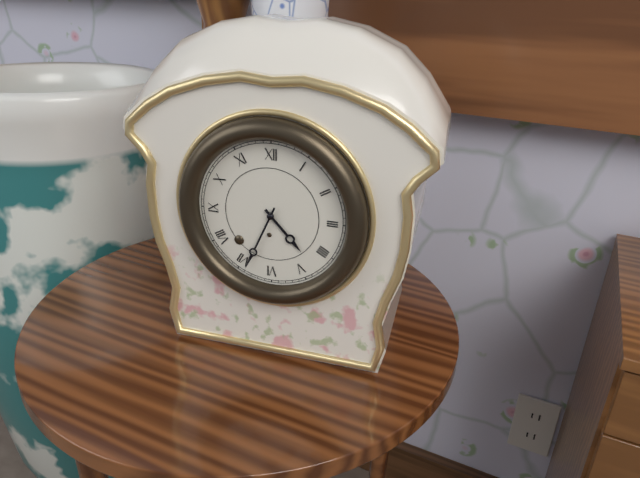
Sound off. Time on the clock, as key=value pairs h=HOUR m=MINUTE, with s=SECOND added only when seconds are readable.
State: h=4 m=34
